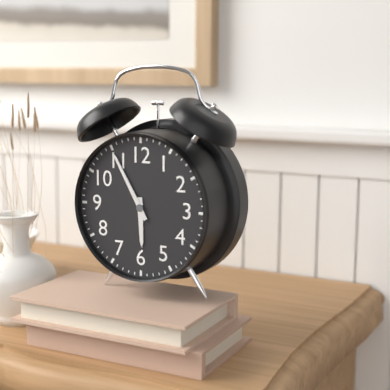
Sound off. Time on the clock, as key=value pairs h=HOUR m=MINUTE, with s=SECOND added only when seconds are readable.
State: h=5 m=55
